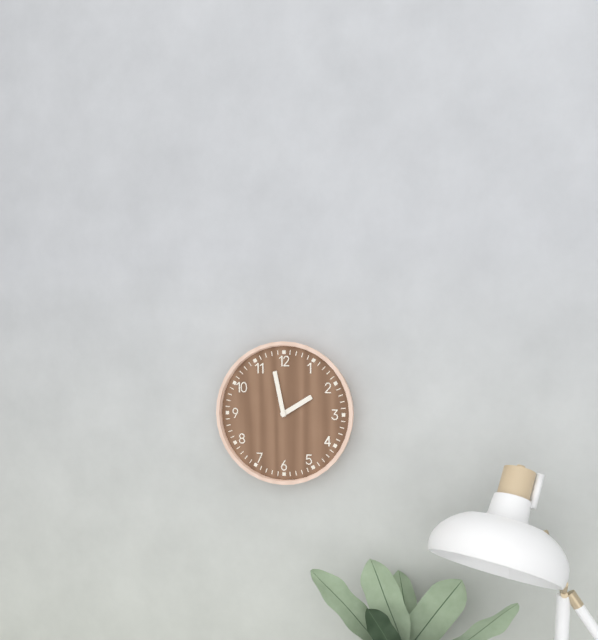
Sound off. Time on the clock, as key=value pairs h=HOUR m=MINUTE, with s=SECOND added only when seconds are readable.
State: h=1 m=58
